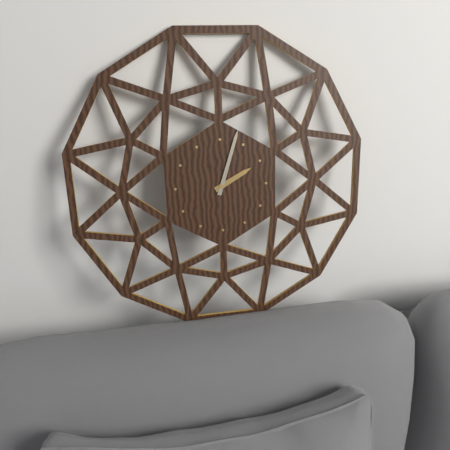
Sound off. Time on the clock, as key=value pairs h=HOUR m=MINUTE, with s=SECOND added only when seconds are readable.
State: h=2 m=3
